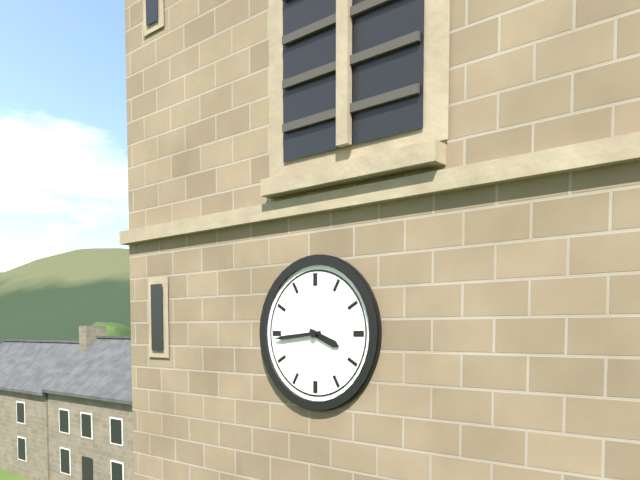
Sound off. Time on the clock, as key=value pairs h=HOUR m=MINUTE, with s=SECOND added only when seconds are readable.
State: h=3 m=44
